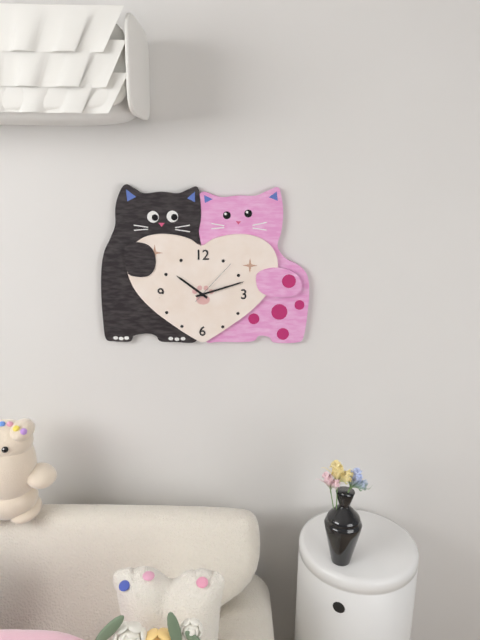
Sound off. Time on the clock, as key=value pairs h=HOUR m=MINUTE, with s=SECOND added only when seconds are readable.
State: h=10 m=12
